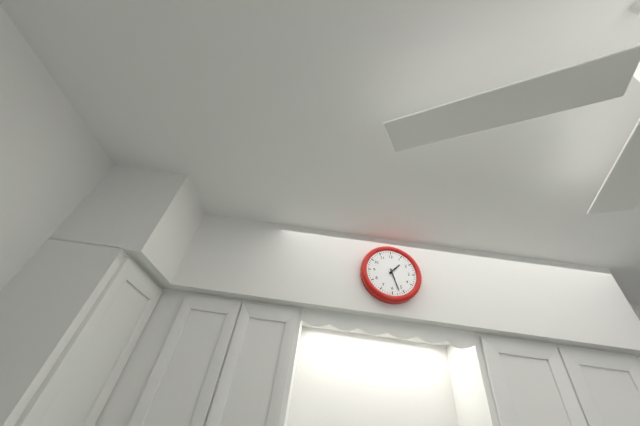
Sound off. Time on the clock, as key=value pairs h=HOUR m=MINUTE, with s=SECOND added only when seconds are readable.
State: h=1 m=27
